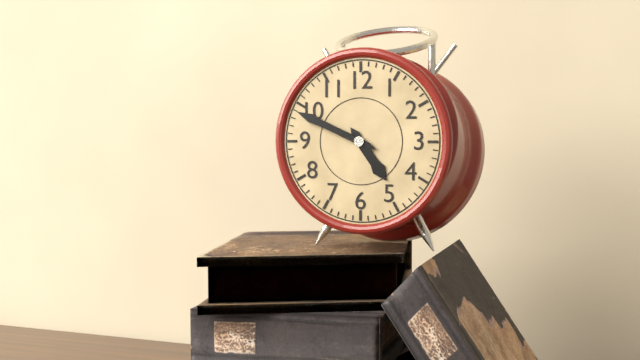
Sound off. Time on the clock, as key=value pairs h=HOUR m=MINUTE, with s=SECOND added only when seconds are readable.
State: h=4 m=49
